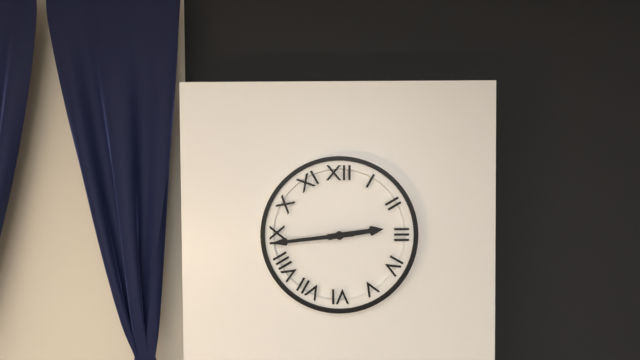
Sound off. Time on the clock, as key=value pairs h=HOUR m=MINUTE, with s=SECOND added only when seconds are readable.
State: h=2 m=44
